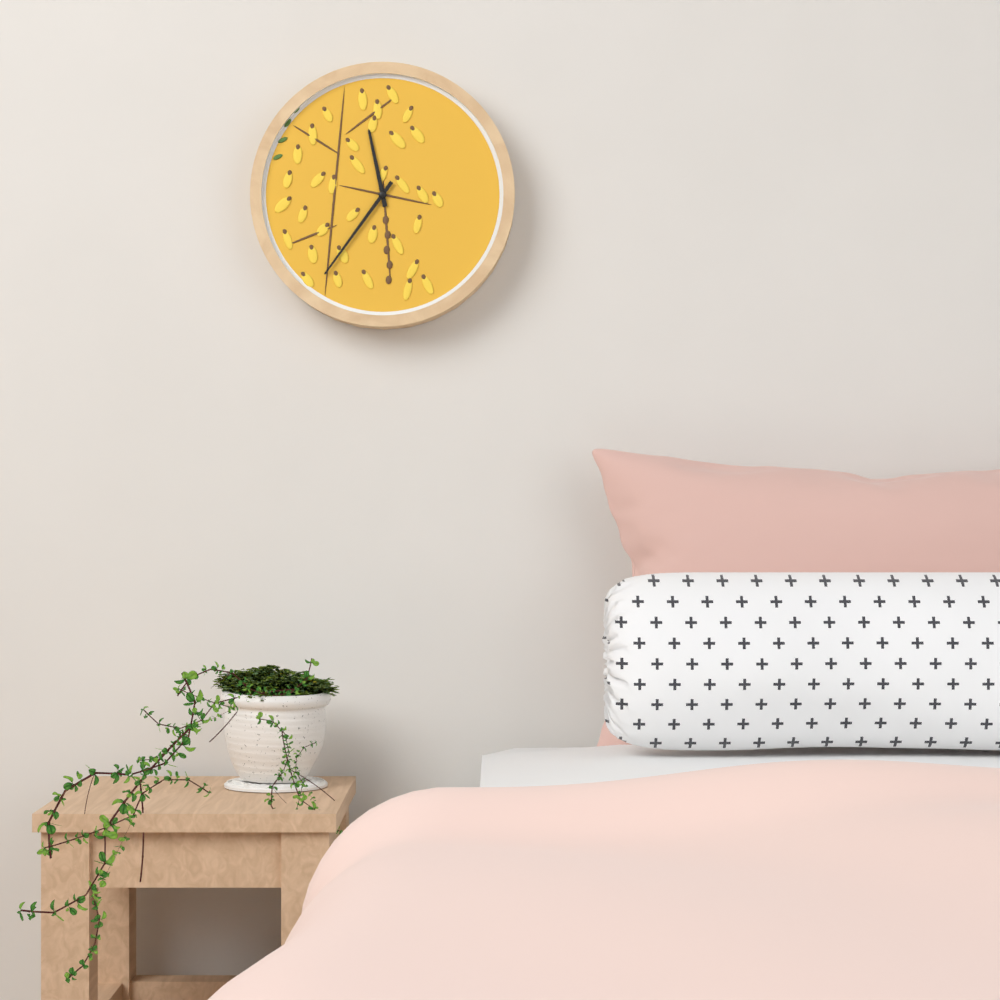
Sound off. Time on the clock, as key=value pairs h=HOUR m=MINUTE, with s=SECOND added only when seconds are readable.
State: h=11 m=36
